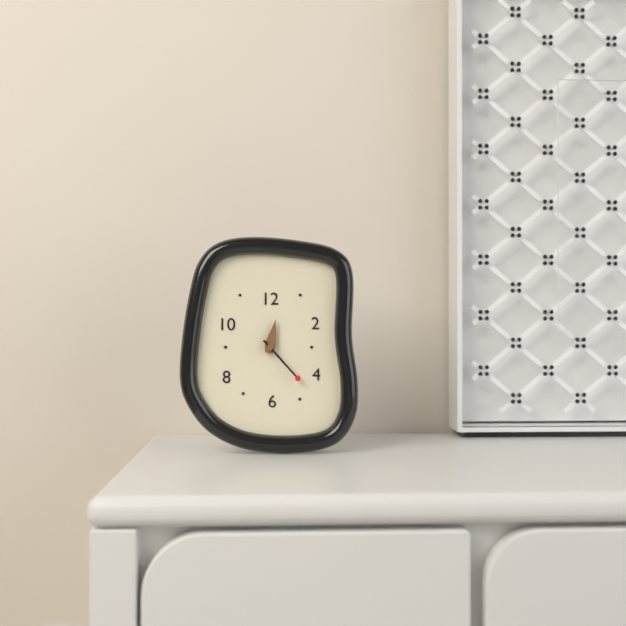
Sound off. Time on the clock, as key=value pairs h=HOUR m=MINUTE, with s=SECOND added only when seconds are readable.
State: h=12 m=23
